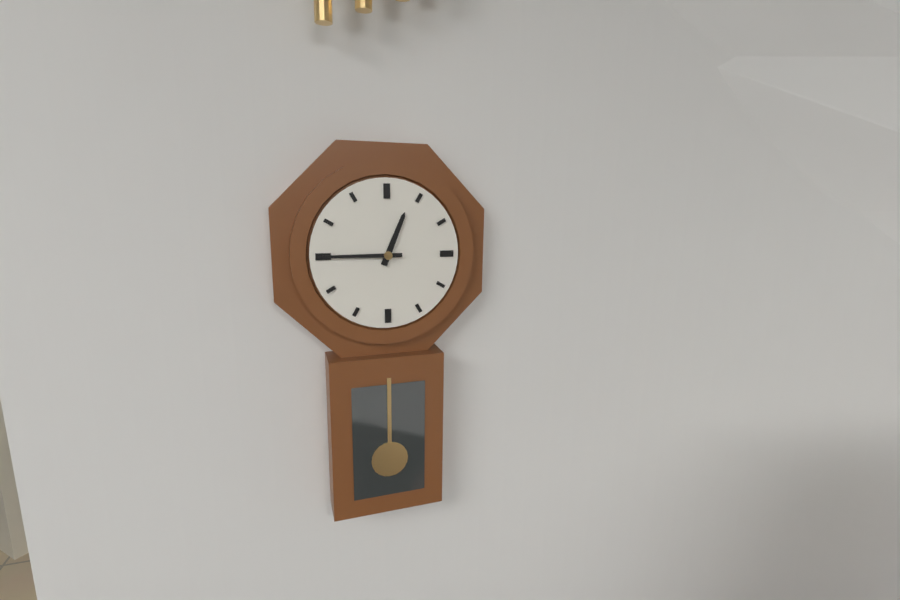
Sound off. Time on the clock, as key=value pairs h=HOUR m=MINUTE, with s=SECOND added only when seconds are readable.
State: h=12 m=45
